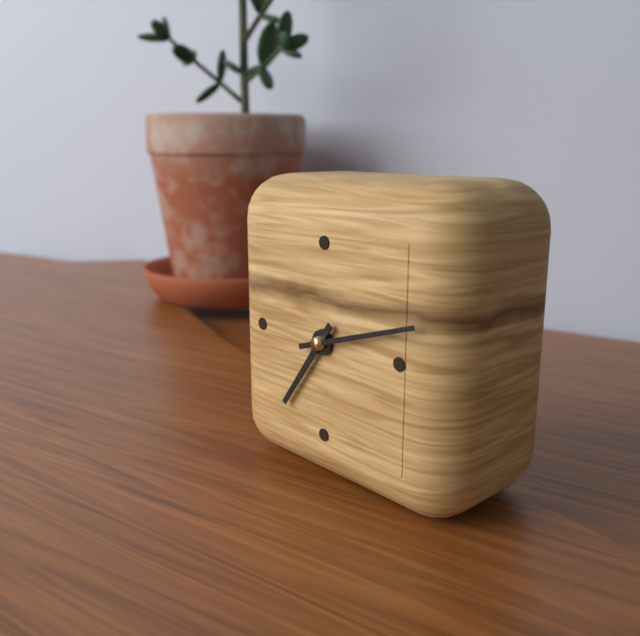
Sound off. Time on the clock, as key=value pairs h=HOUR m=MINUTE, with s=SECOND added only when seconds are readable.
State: h=7 m=12
